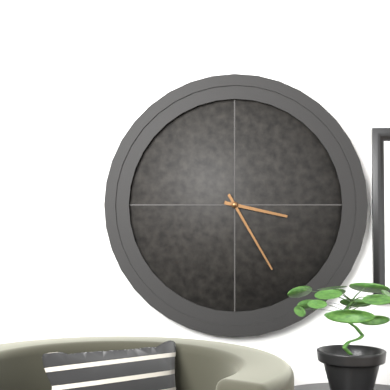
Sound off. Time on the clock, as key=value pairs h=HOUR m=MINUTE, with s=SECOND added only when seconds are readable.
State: h=3 m=25
